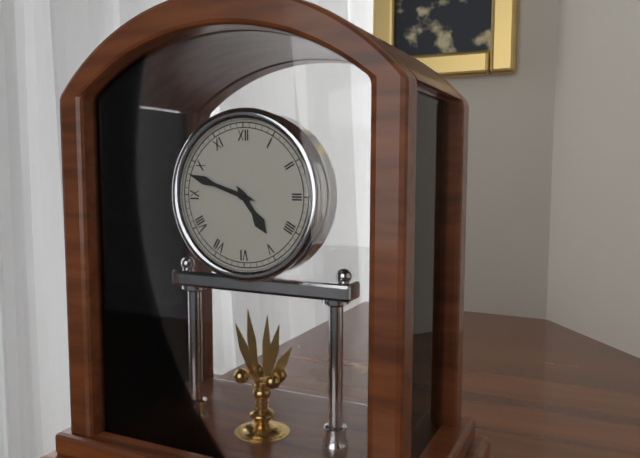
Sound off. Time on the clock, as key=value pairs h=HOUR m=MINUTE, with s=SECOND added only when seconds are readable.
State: h=4 m=48
